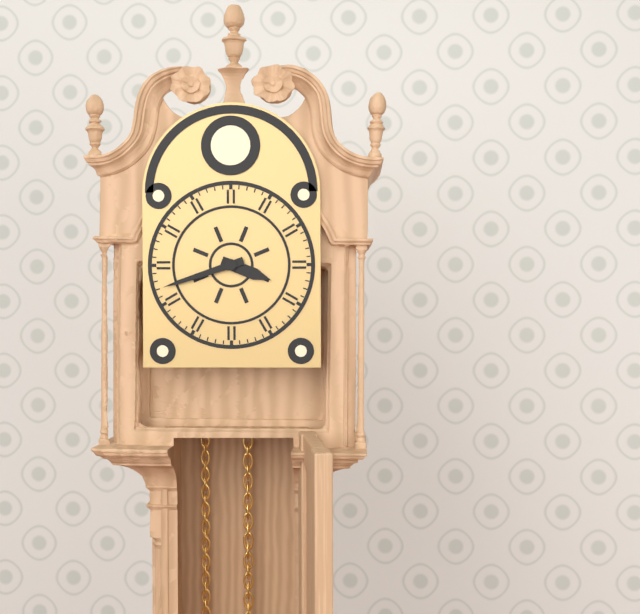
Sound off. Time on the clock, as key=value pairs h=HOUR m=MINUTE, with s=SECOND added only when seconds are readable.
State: h=3 m=42
